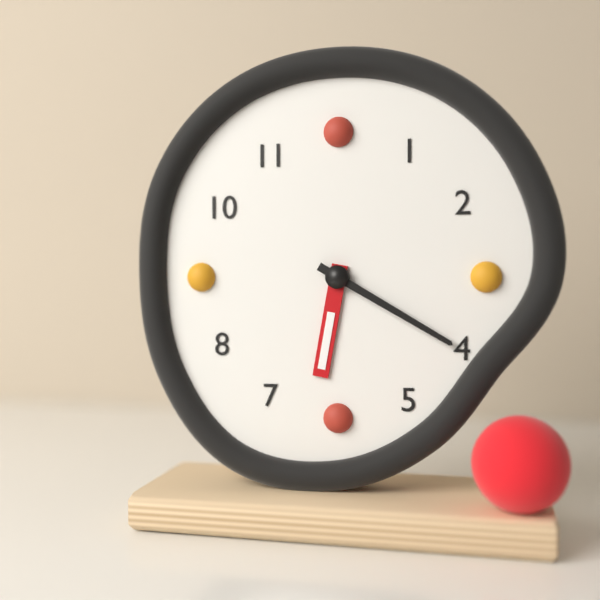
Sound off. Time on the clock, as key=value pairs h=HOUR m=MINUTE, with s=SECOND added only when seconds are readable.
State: h=6 m=20
